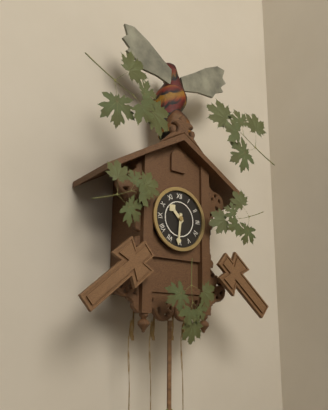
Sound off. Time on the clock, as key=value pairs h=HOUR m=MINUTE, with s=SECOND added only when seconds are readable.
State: h=10 m=31
